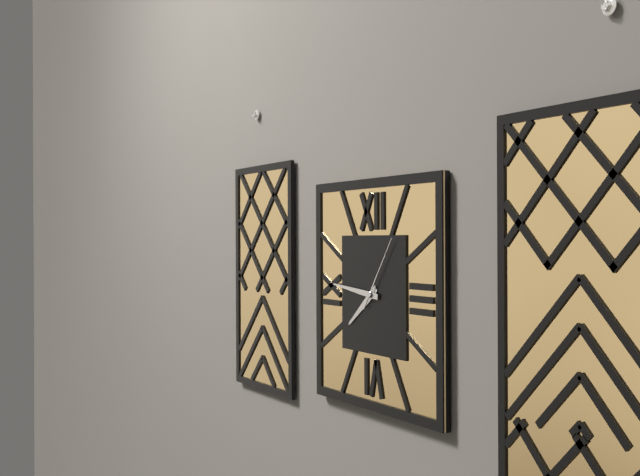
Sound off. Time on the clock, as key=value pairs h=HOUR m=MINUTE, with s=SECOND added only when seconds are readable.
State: h=7 m=46 s=6
